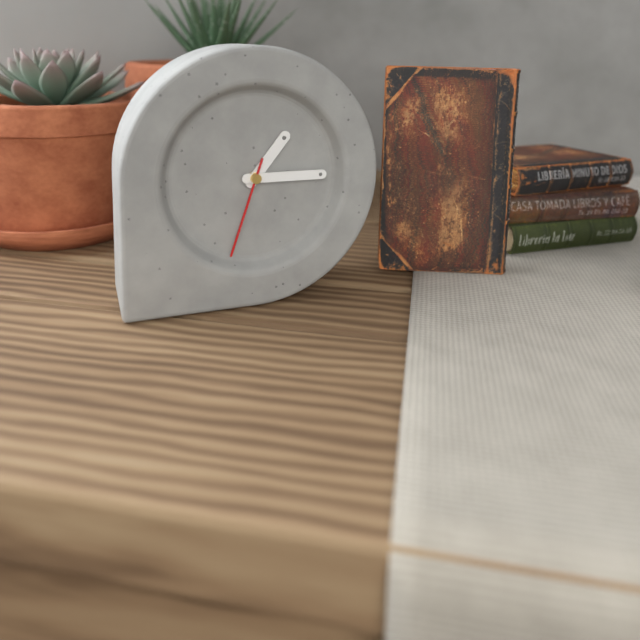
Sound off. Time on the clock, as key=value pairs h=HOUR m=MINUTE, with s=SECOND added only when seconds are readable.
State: h=1 m=15 s=33
